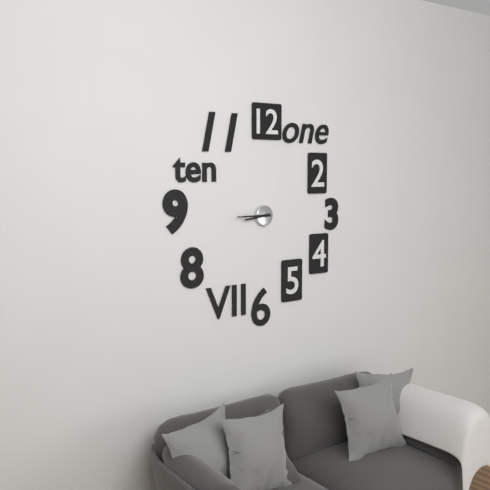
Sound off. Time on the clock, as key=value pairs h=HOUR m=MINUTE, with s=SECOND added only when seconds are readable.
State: h=8 m=45
